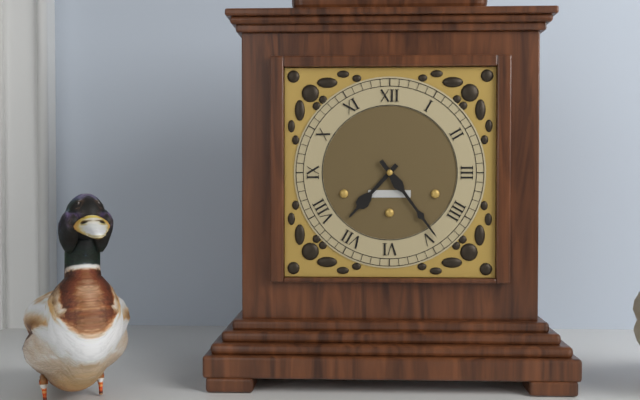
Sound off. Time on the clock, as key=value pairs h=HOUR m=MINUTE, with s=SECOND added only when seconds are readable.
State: h=7 m=24
